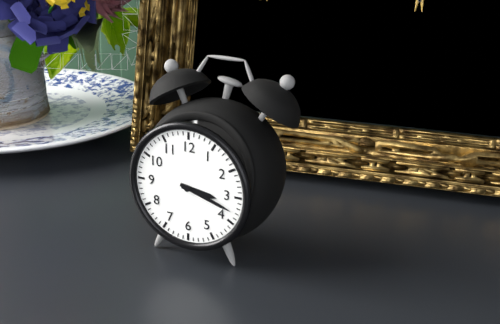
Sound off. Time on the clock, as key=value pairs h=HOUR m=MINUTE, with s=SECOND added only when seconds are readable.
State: h=3 m=18
